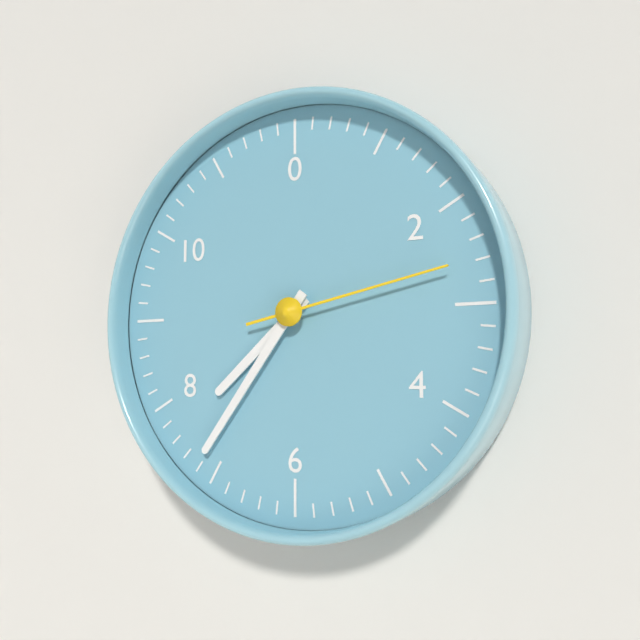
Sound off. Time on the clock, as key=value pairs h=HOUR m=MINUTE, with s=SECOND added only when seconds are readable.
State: h=7 m=36 s=13
